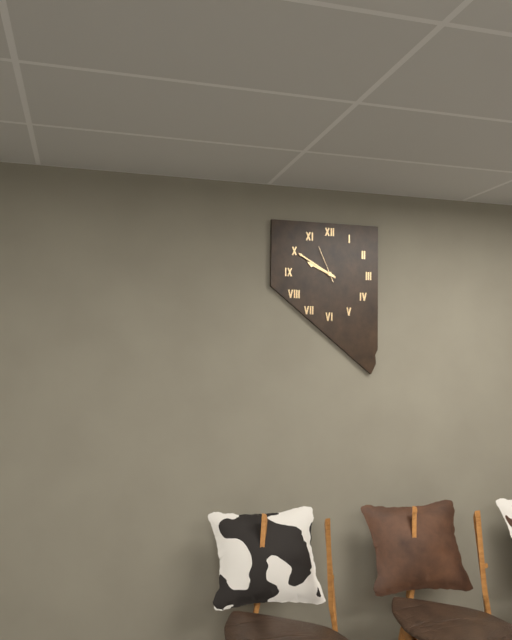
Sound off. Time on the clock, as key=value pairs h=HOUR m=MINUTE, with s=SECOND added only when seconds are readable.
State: h=9 m=50
